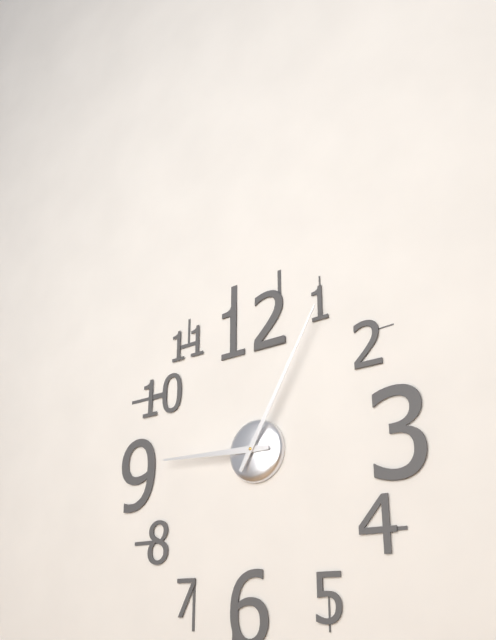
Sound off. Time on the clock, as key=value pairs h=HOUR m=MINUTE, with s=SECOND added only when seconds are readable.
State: h=9 m=5
